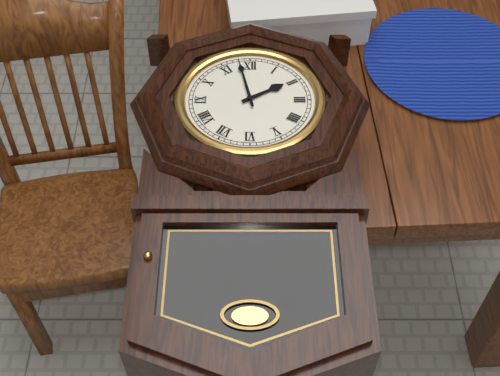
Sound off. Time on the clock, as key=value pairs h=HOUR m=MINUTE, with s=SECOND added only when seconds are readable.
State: h=1 m=58
